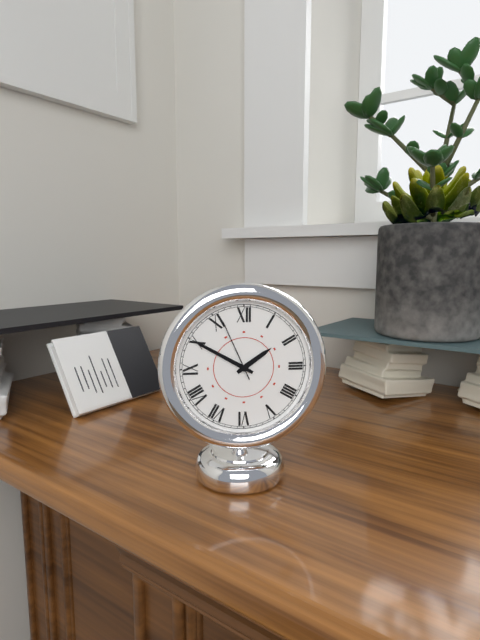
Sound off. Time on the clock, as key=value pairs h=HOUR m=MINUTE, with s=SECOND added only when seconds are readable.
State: h=1 m=50 s=56
